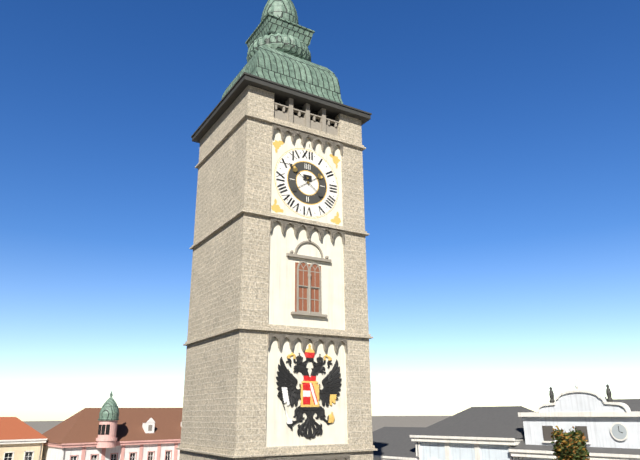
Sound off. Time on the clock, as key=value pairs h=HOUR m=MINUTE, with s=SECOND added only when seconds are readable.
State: h=1 m=51
